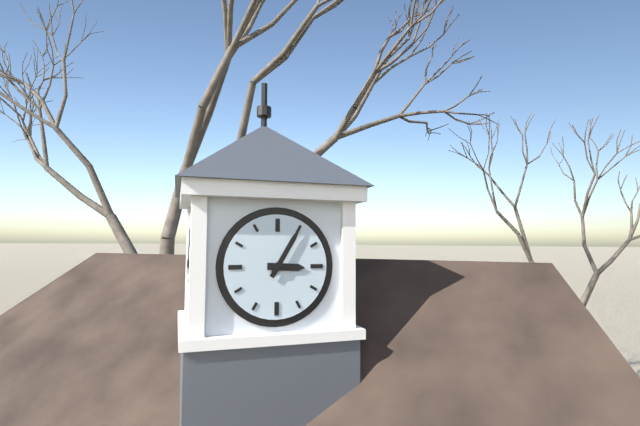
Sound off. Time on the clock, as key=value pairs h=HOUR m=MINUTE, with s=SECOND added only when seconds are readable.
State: h=3 m=5
